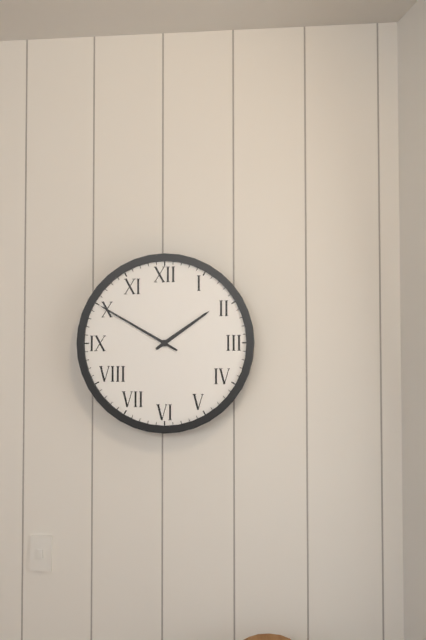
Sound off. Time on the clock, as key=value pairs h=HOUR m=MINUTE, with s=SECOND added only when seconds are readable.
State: h=1 m=50
